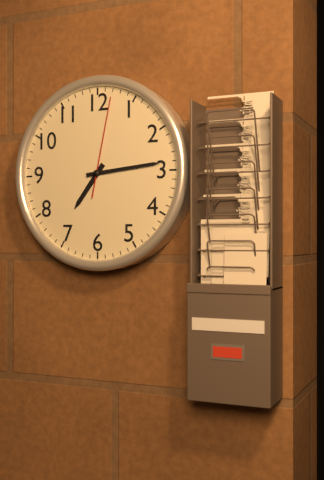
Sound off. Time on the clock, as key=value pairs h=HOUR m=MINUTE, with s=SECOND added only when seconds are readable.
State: h=7 m=14 s=2
